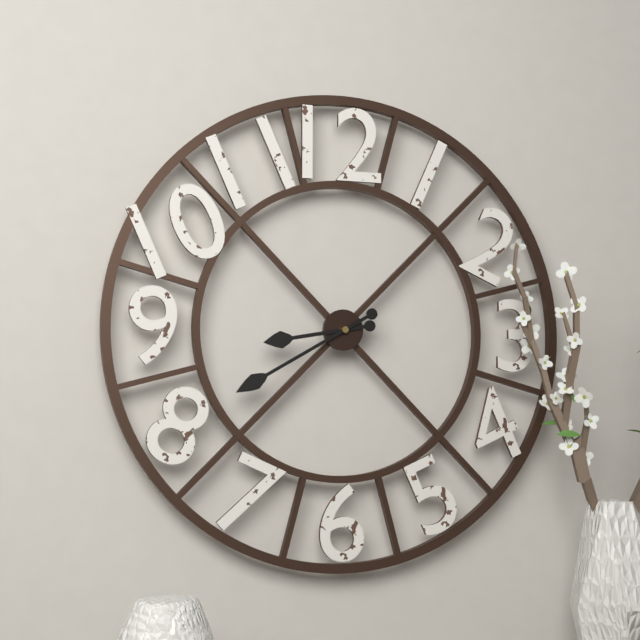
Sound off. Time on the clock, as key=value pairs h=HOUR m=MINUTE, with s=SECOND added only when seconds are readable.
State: h=8 m=40
